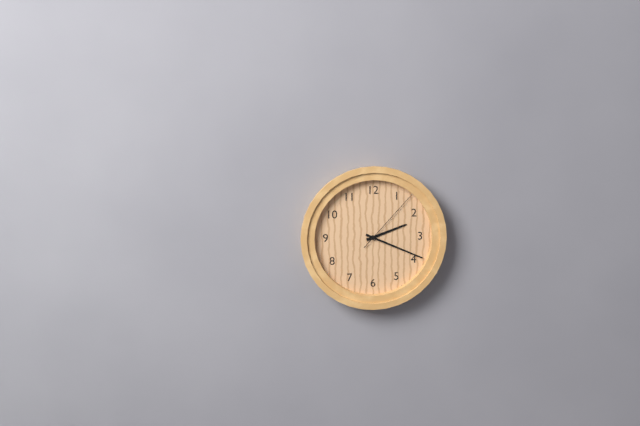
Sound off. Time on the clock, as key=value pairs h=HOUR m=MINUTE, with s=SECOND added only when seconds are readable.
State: h=2 m=19 s=7
